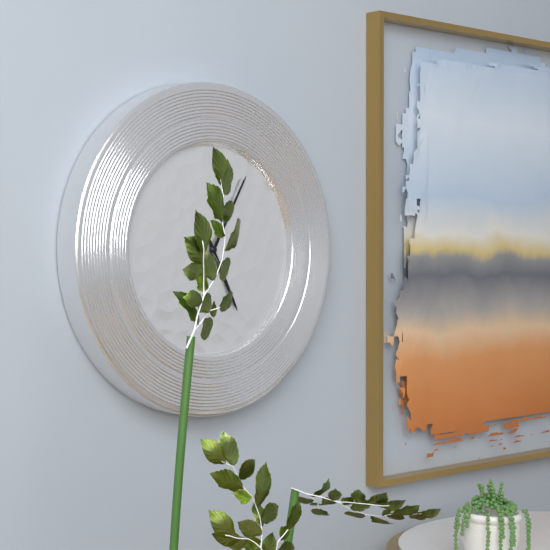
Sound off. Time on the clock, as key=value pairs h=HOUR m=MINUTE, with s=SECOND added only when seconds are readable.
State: h=5 m=5
